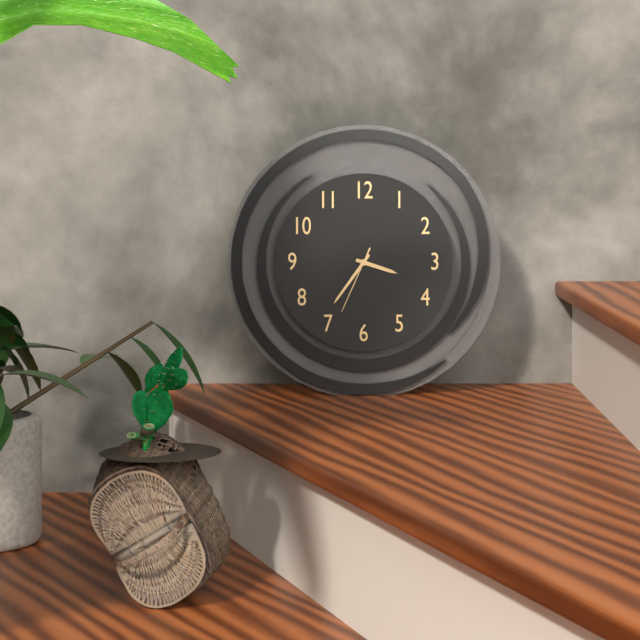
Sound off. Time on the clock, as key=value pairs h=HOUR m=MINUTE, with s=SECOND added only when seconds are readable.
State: h=3 m=36 s=34
